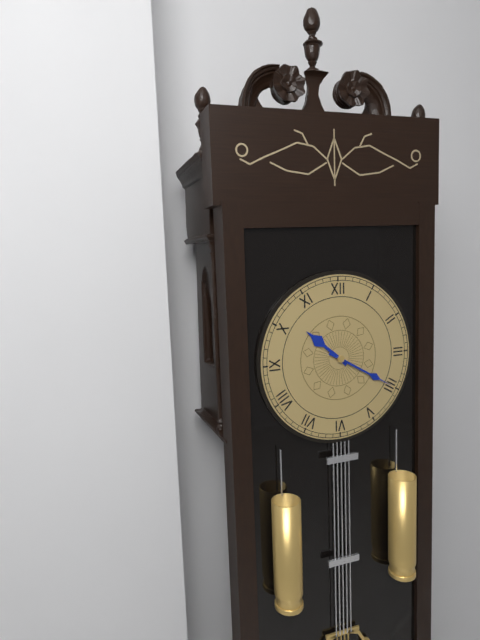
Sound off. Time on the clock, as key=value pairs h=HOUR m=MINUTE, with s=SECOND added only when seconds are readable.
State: h=10 m=20
